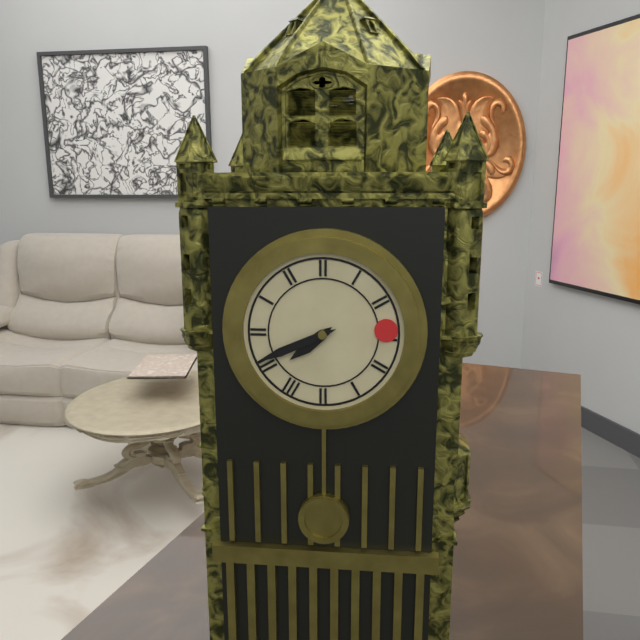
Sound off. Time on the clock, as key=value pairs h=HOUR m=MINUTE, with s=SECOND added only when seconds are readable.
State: h=7 m=41
